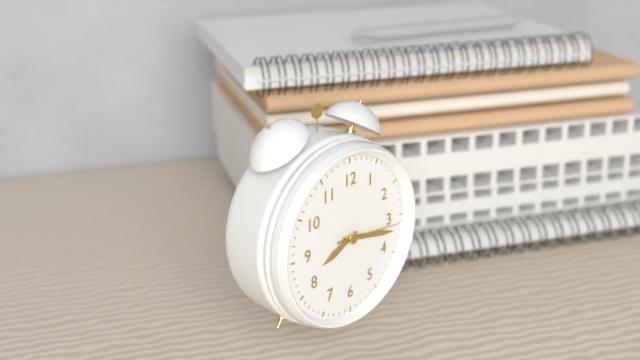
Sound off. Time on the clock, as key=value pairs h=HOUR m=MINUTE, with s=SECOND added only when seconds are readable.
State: h=8 m=17 s=16
